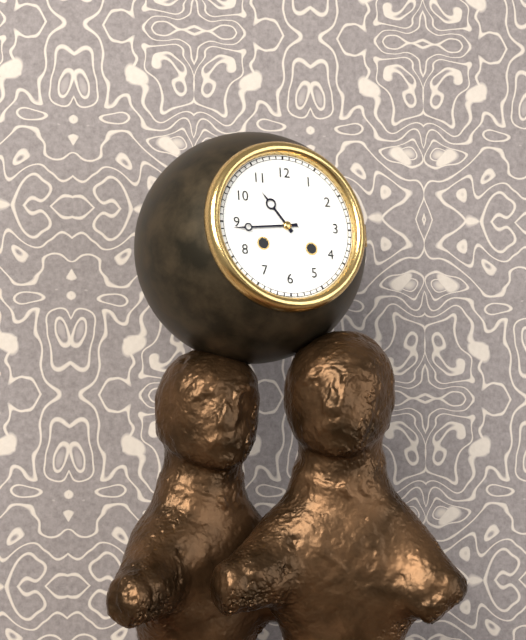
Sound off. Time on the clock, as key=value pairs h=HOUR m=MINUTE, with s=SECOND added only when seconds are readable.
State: h=10 m=44
